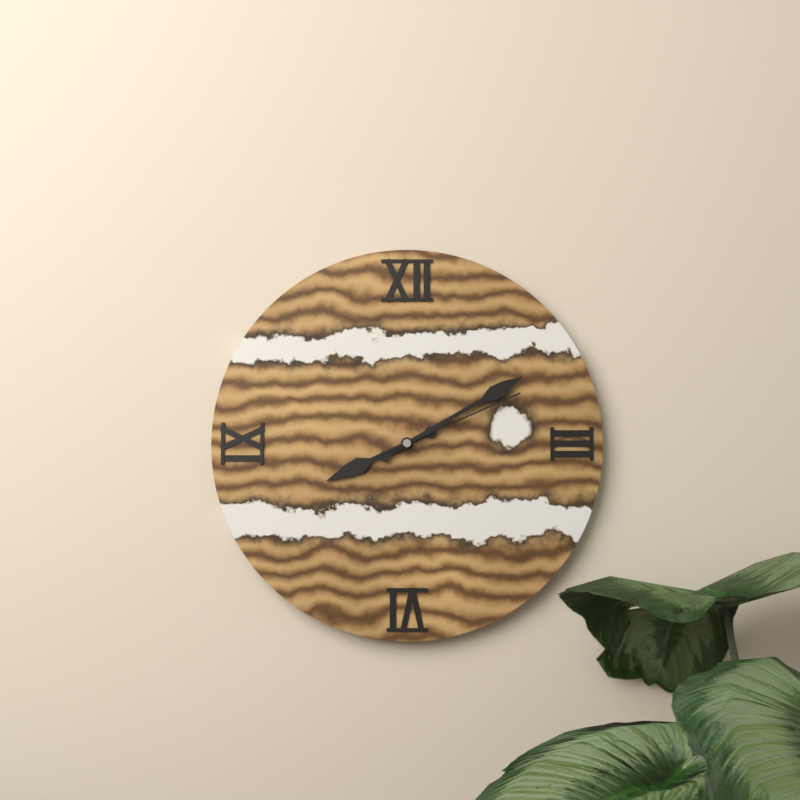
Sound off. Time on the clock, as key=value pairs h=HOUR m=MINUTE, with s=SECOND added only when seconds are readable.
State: h=8 m=10 s=11
